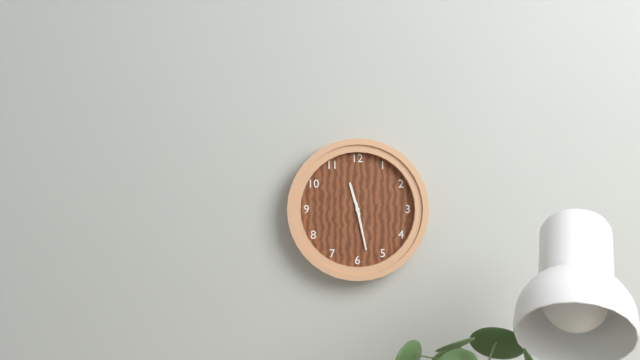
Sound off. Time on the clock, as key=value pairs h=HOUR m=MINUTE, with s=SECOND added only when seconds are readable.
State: h=11 m=28
